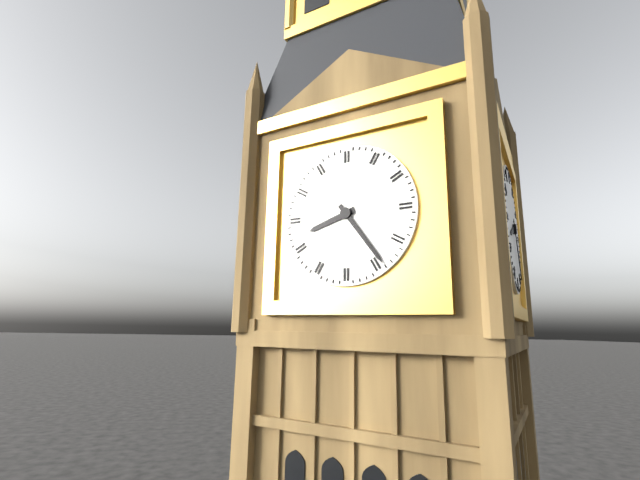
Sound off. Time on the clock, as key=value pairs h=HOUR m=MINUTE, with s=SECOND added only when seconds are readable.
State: h=8 m=24
